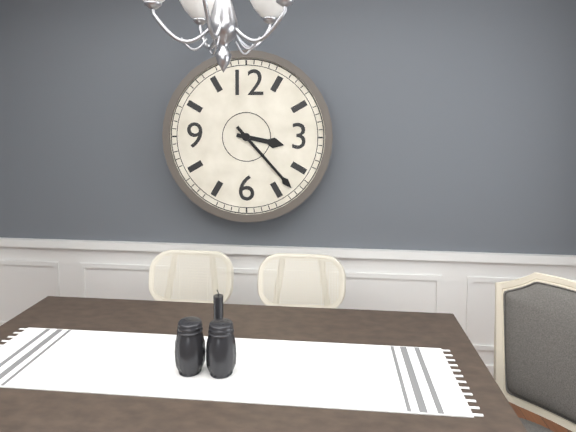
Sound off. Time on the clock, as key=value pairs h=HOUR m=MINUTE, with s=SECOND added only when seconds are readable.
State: h=3 m=23
